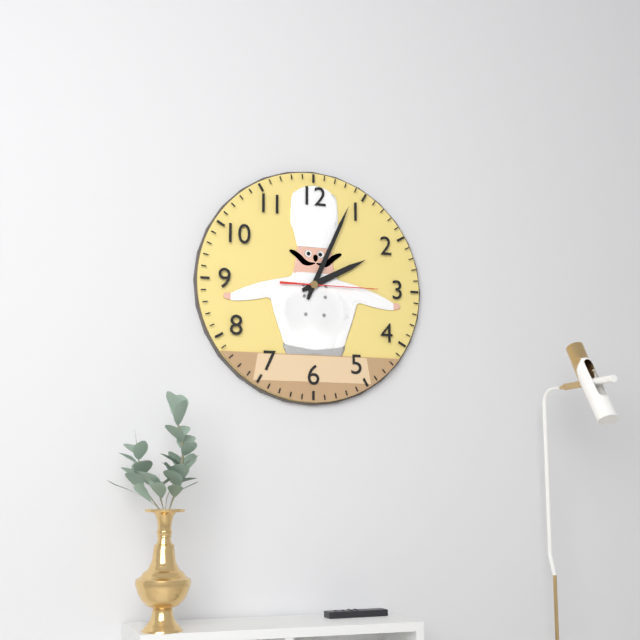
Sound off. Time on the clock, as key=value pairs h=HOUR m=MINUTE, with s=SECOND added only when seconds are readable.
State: h=2 m=4 s=15
